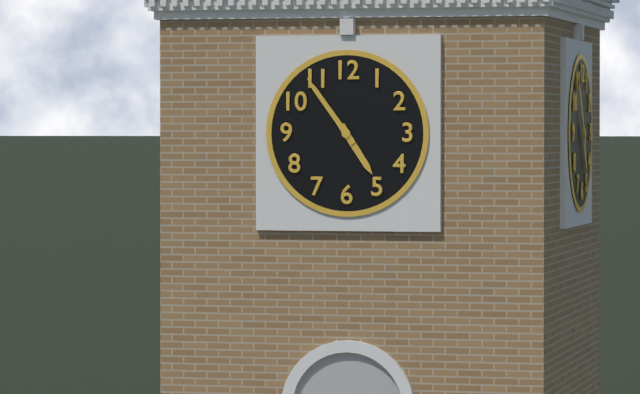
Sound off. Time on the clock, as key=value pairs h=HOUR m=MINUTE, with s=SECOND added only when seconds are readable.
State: h=4 m=54
